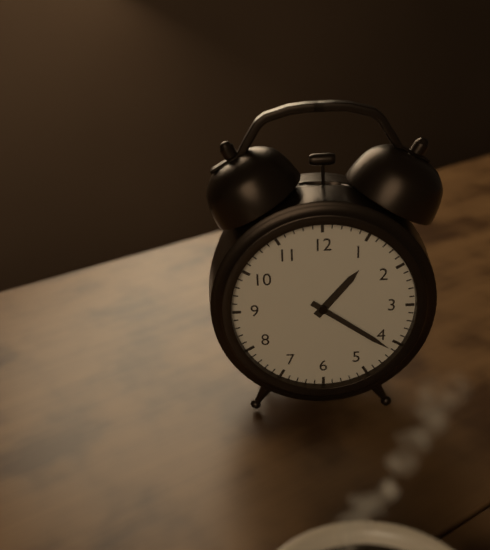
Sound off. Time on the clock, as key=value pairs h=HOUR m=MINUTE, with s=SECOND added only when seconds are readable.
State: h=1 m=21
